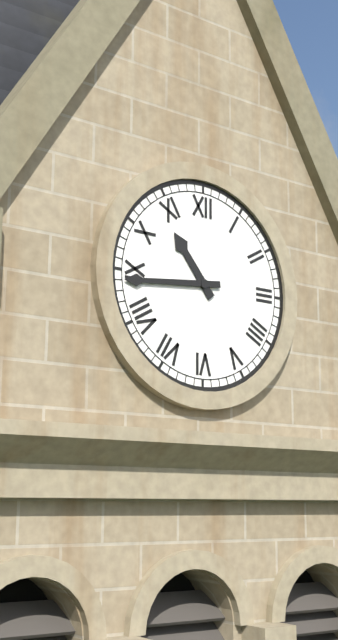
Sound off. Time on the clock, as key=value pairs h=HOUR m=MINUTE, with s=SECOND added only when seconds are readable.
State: h=10 m=44
